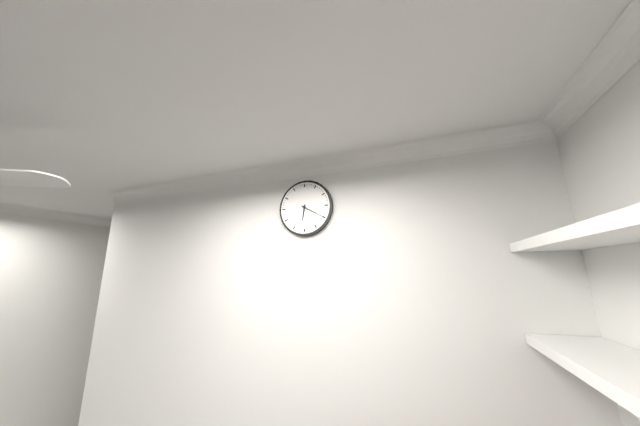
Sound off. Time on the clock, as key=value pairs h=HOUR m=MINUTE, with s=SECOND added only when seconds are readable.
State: h=6 m=20
